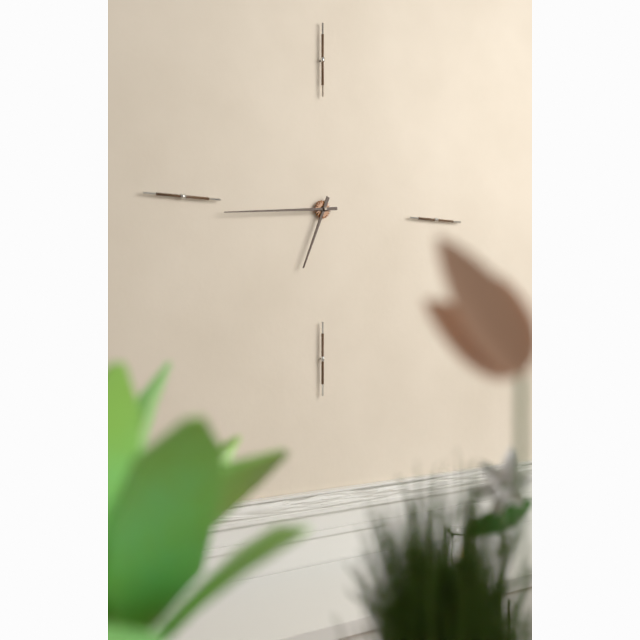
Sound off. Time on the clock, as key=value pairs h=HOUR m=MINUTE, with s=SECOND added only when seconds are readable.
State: h=6 m=44
